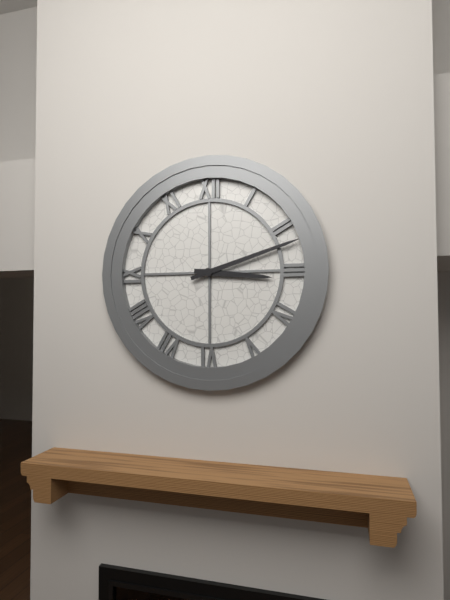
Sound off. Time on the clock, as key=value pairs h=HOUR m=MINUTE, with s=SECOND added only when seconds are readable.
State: h=3 m=12
